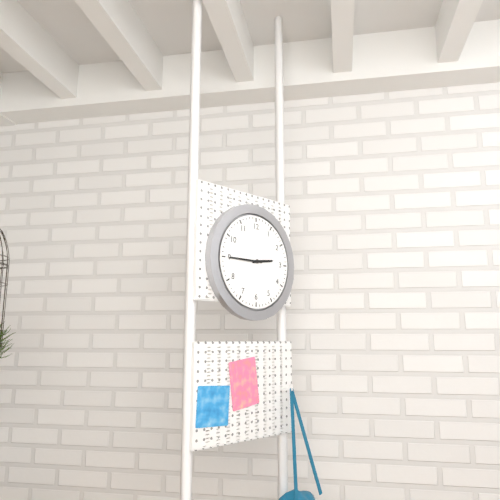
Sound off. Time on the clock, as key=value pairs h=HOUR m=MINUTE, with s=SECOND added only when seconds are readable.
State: h=2 m=45
